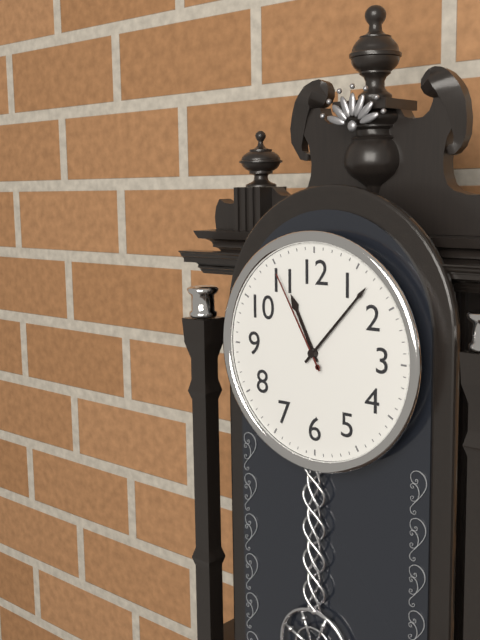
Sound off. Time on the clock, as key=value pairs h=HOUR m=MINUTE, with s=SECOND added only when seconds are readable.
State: h=11 m=7 s=55
